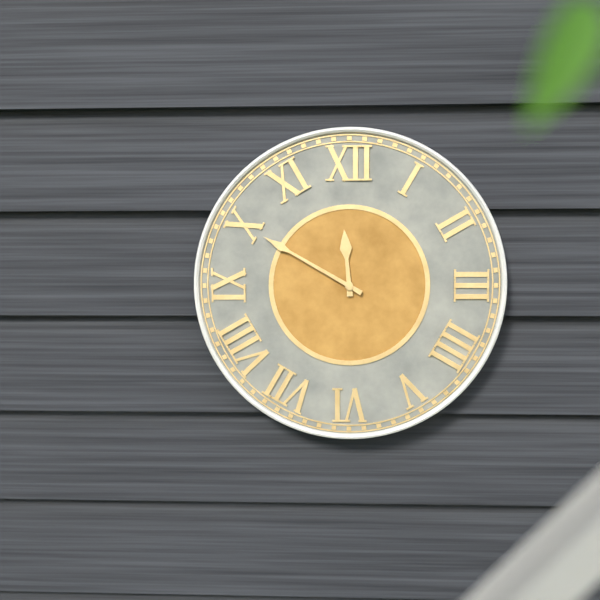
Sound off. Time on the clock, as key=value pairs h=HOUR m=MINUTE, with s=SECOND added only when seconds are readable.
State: h=11 m=50
